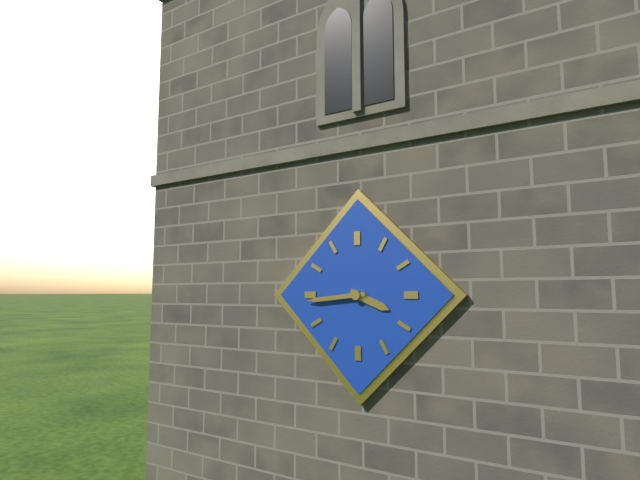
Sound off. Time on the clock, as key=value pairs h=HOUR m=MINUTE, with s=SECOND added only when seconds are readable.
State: h=3 m=44
